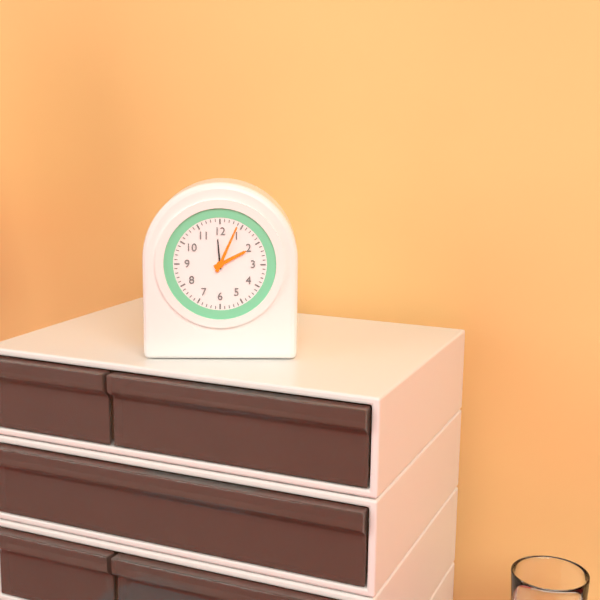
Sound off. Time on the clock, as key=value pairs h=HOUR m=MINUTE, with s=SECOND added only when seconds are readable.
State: h=2 m=4
